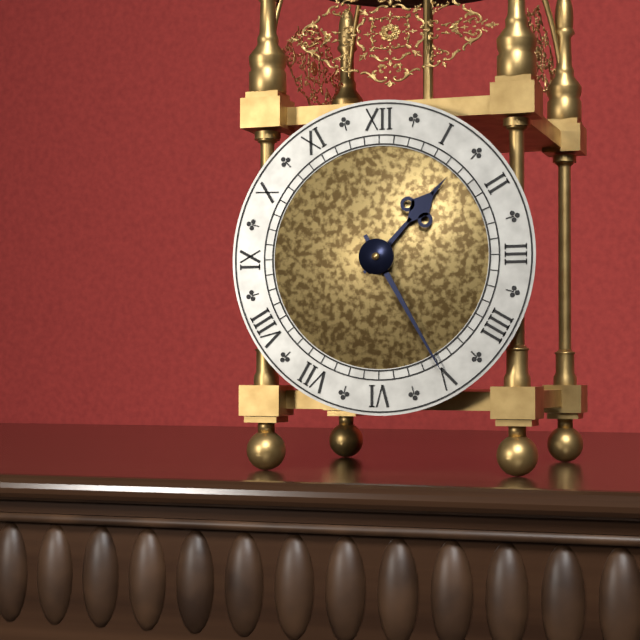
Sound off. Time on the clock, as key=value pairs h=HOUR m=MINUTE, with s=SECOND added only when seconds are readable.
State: h=1 m=25
